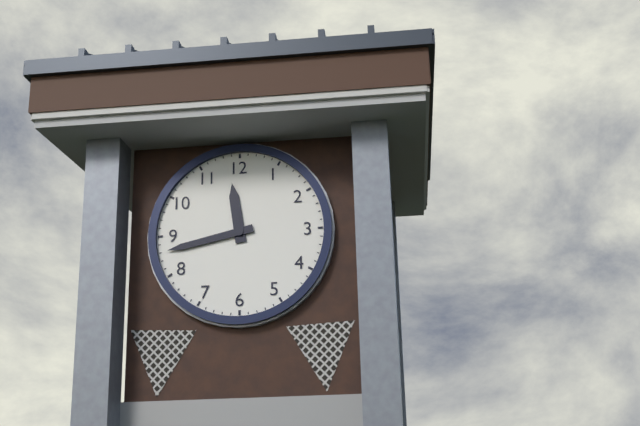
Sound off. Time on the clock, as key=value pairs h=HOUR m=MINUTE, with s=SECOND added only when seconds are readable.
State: h=11 m=43
